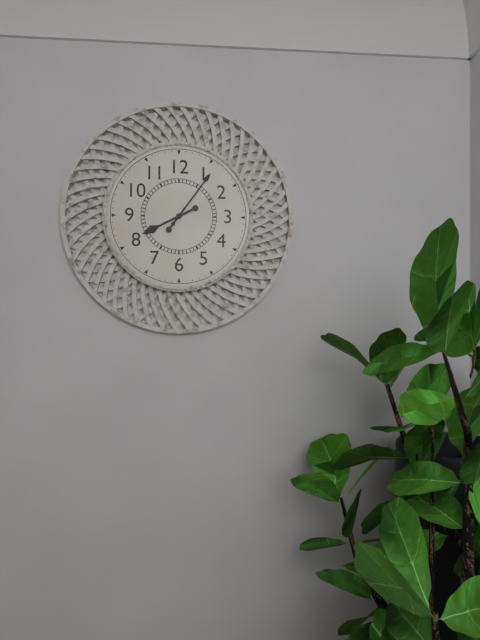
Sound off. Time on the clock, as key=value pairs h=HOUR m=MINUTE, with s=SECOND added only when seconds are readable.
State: h=8 m=6
